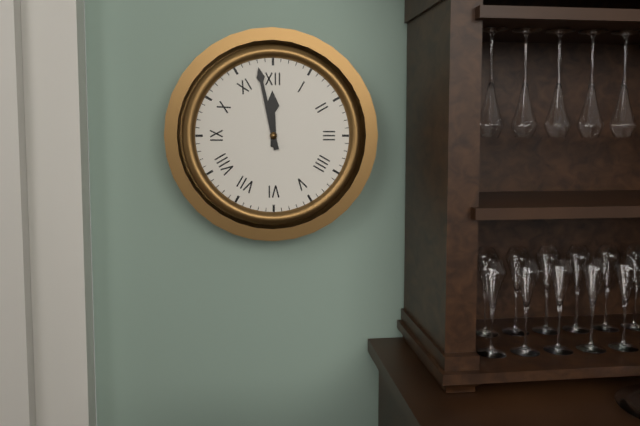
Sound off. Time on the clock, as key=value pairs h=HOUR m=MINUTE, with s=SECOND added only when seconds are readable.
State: h=11 m=58
